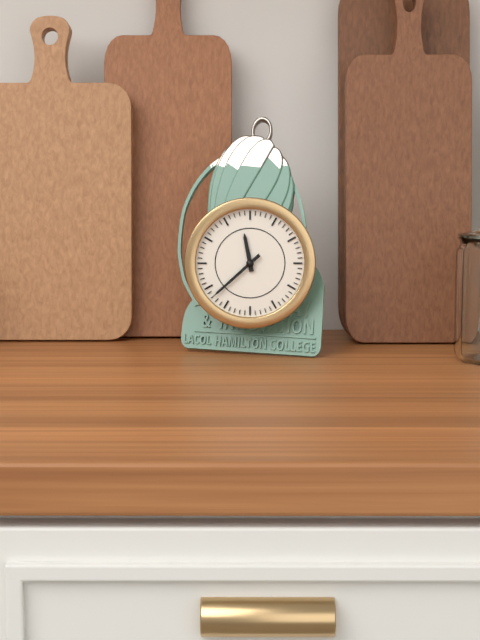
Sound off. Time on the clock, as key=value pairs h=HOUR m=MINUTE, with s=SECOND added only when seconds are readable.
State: h=11 m=38
